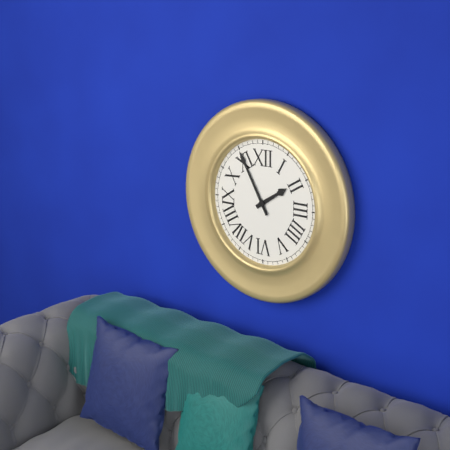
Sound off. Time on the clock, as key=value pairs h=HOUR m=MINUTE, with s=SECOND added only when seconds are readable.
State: h=1 m=55
